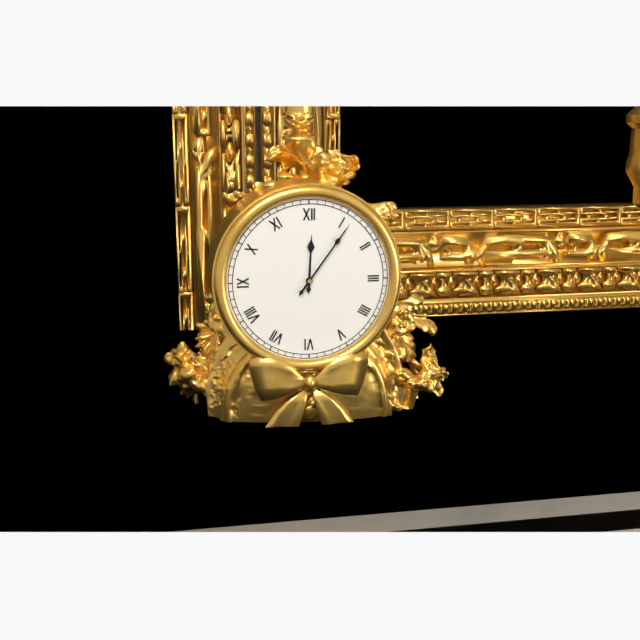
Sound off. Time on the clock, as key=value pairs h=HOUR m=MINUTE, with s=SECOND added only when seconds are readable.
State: h=12 m=6
